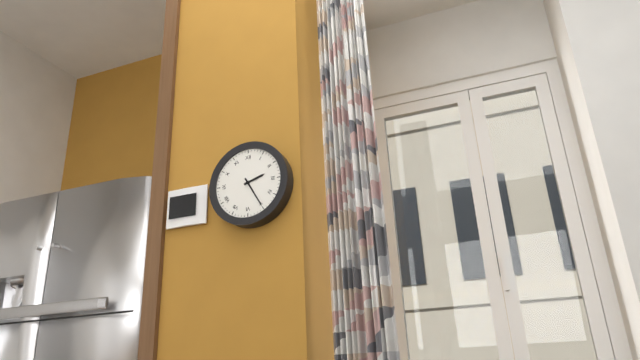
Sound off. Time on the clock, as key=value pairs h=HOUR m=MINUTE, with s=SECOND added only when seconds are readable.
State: h=2 m=25
